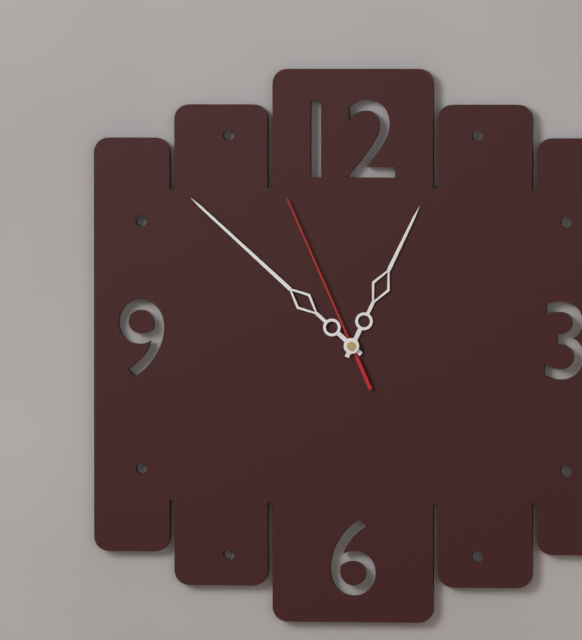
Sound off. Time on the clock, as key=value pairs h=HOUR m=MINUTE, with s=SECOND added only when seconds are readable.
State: h=12 m=52 s=56
